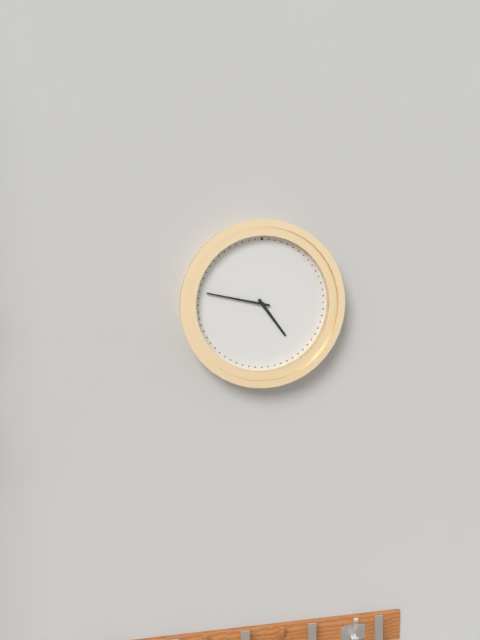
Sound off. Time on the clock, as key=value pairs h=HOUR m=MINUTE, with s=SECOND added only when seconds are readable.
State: h=4 m=47
